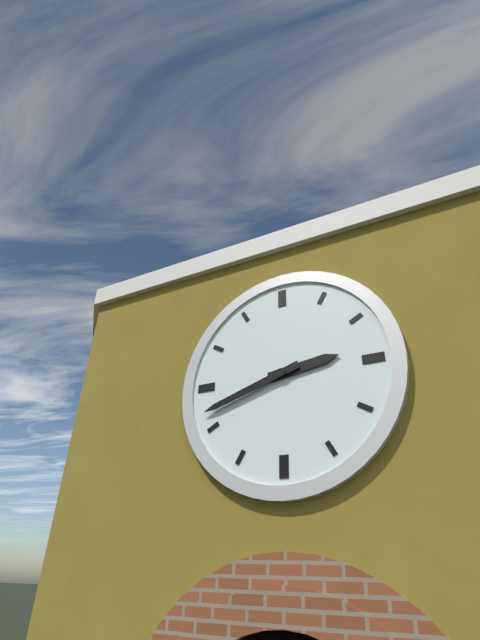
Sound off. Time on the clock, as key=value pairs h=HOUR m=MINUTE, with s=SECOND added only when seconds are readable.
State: h=2 m=42
